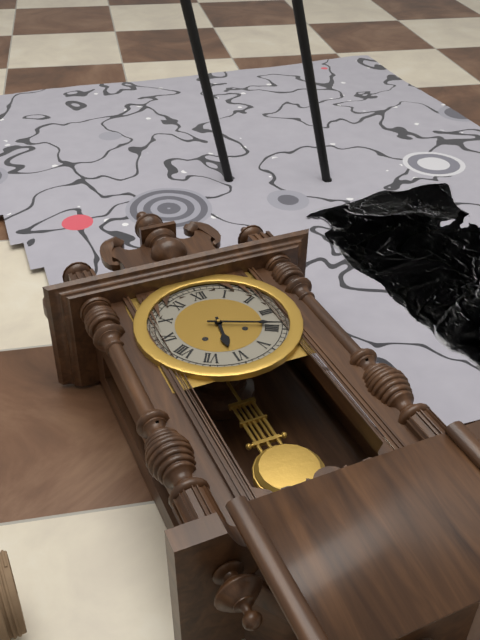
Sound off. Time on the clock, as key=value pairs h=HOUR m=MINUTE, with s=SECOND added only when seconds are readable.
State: h=6 m=19
